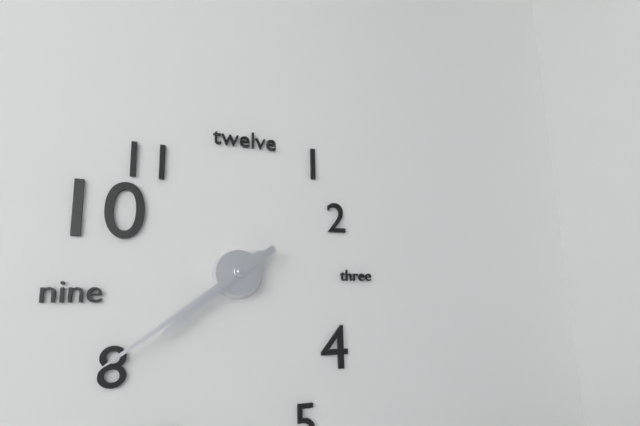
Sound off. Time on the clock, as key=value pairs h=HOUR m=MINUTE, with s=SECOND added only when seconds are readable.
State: h=7 m=39
